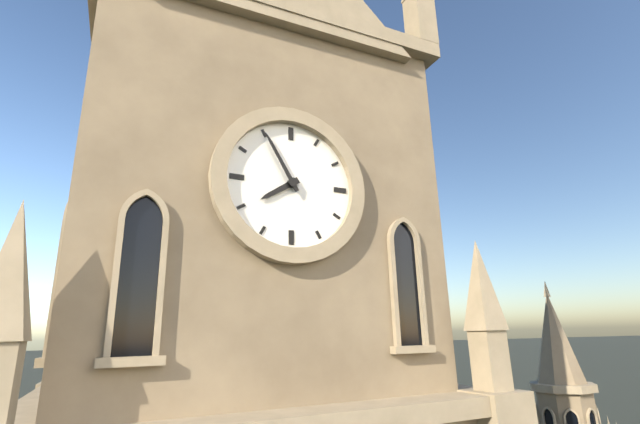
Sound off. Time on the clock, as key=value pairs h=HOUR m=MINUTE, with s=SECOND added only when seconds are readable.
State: h=7 m=55
